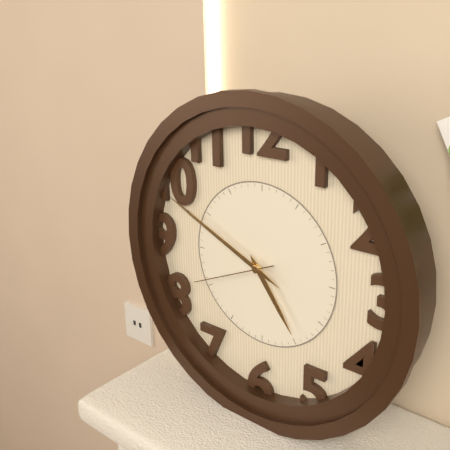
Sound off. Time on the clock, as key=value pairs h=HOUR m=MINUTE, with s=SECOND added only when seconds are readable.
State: h=4 m=49 s=41
